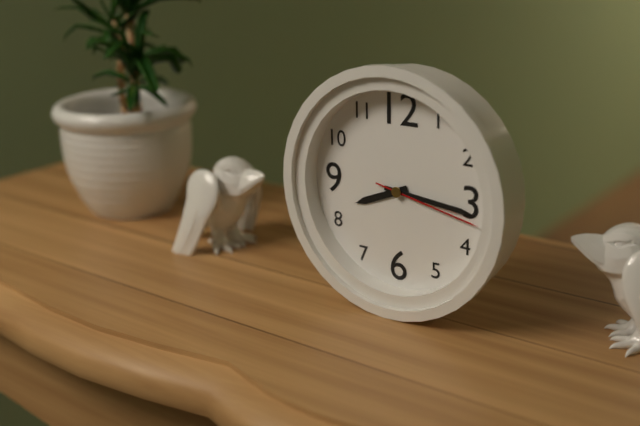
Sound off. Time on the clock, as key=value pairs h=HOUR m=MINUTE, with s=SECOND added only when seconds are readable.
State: h=8 m=16 s=17
